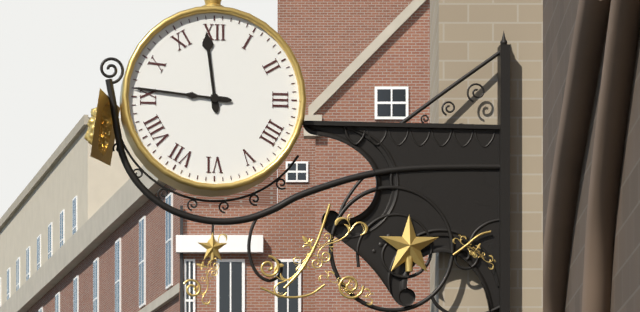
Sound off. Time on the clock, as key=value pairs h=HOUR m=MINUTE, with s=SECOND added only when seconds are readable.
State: h=11 m=46
